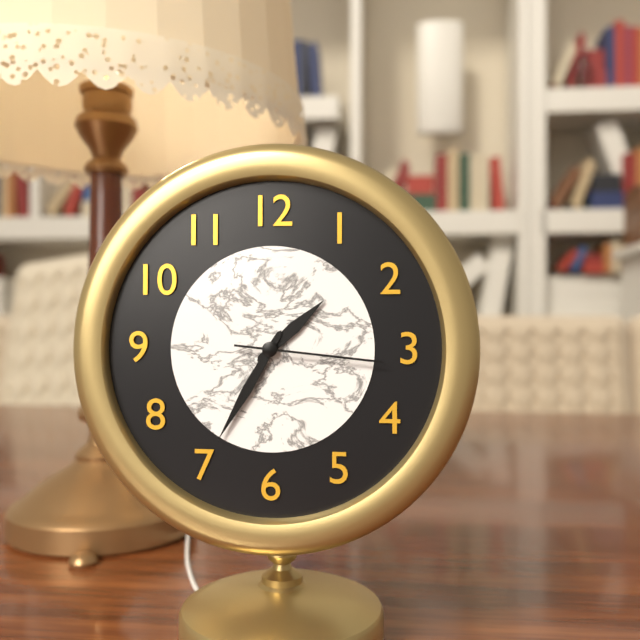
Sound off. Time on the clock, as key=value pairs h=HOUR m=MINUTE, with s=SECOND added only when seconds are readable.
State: h=1 m=35 s=16
